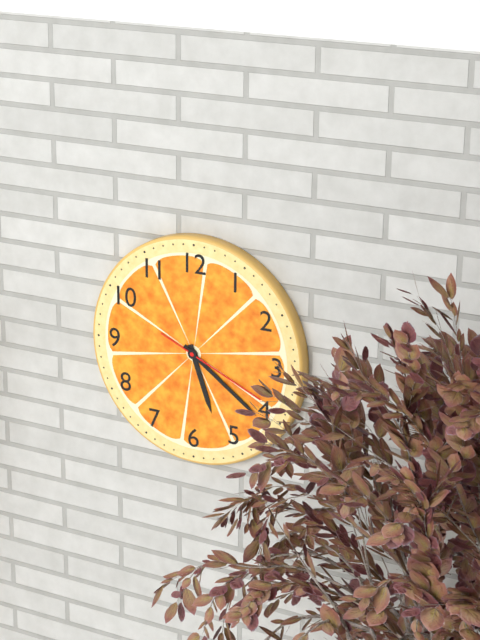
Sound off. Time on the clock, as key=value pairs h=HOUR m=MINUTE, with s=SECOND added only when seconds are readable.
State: h=5 m=21 s=19
